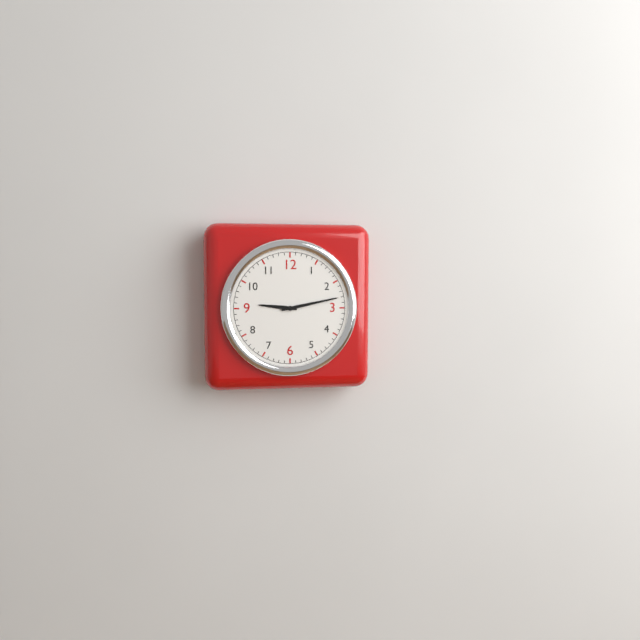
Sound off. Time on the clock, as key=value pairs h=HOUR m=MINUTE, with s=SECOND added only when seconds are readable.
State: h=9 m=13
